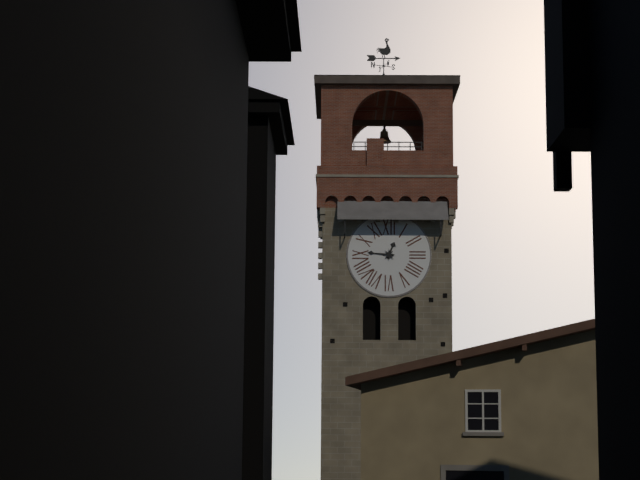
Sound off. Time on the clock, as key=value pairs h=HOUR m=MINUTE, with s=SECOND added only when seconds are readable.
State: h=12 m=46
